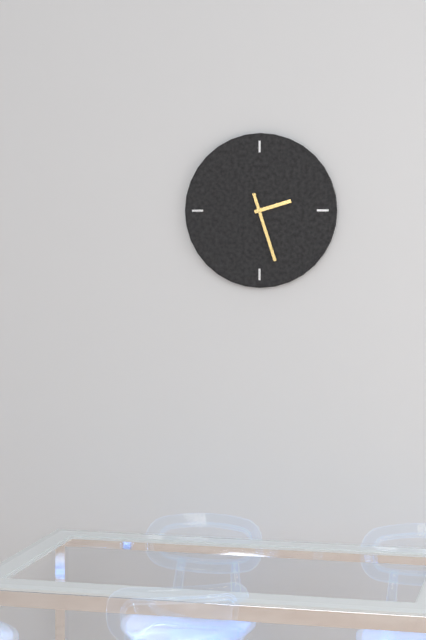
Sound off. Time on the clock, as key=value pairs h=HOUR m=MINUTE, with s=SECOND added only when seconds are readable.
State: h=2 m=27
